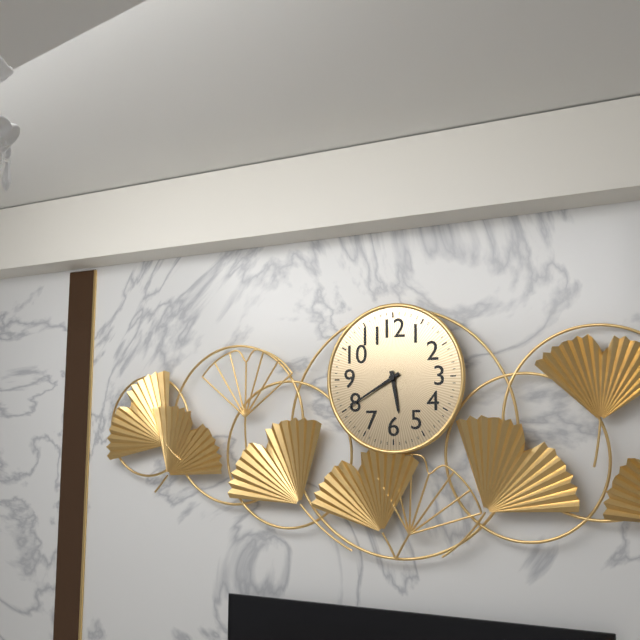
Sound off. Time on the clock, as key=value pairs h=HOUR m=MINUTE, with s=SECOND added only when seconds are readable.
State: h=5 m=40
